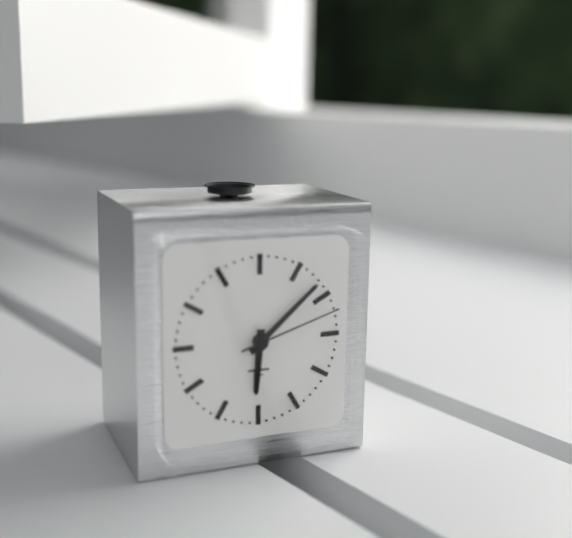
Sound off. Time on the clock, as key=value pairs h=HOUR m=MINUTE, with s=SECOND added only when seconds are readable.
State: h=6 m=8 s=12
